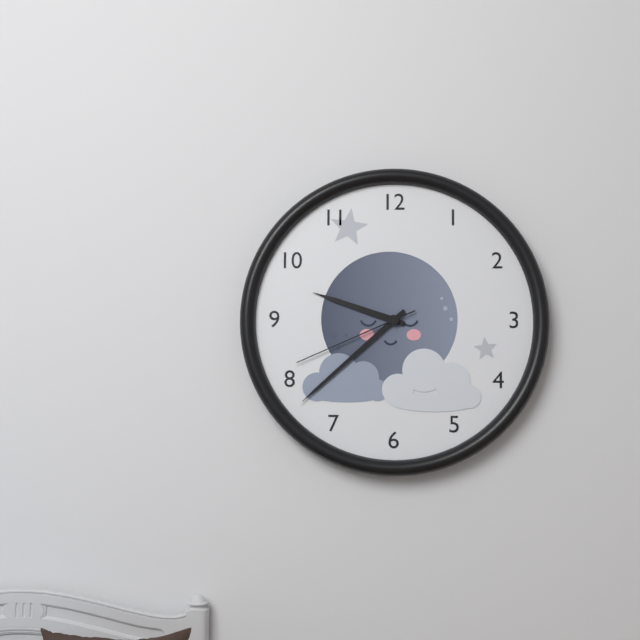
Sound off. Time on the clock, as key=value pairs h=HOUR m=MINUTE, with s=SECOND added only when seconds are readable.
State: h=9 m=38 s=41
